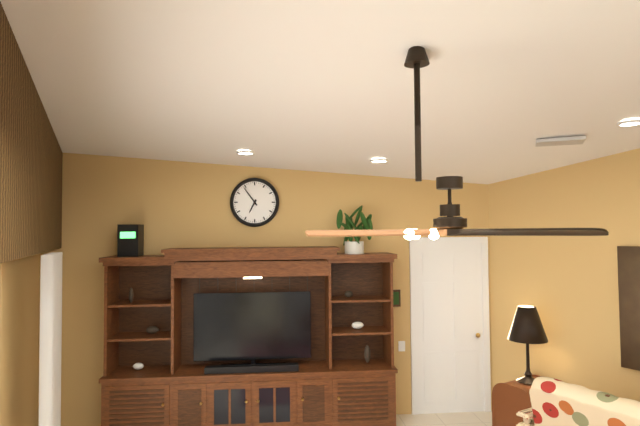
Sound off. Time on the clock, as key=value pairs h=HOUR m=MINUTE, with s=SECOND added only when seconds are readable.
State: h=6 m=54
